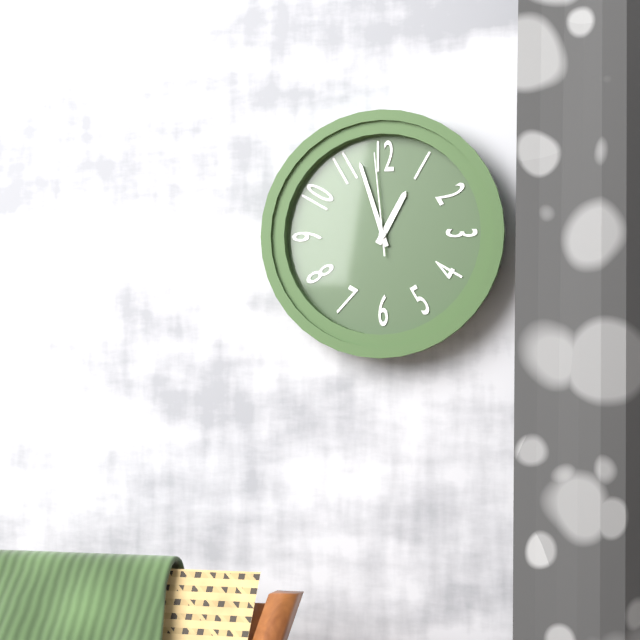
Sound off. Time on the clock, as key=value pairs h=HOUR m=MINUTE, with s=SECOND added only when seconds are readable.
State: h=12 m=57 s=59
